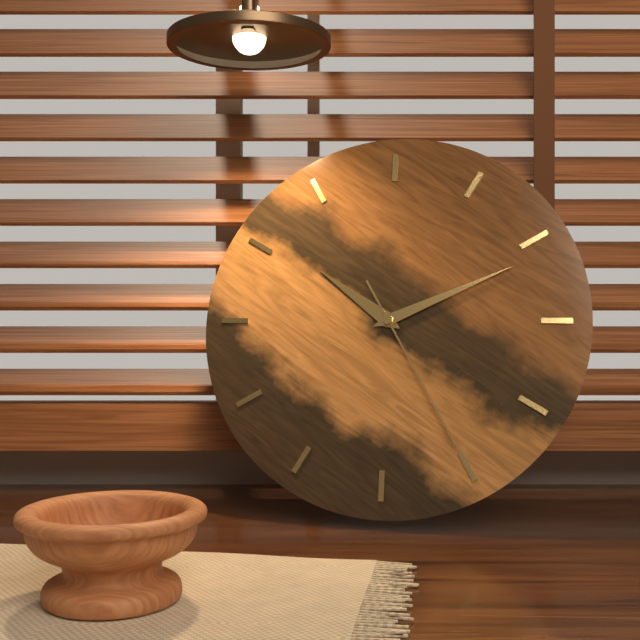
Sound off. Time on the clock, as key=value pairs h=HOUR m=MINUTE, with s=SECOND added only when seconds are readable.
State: h=10 m=11 s=25
